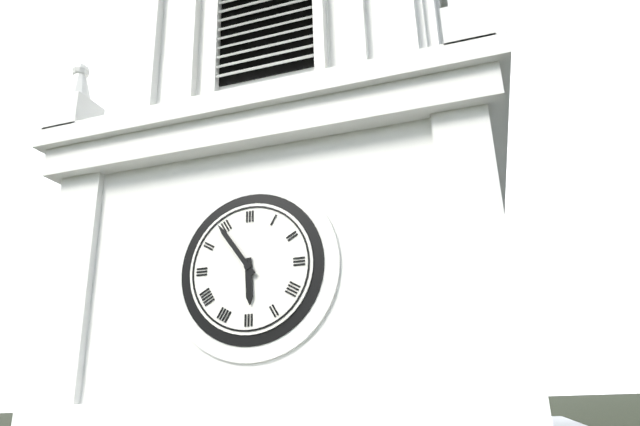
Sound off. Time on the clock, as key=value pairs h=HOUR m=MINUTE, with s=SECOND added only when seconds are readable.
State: h=5 m=54
